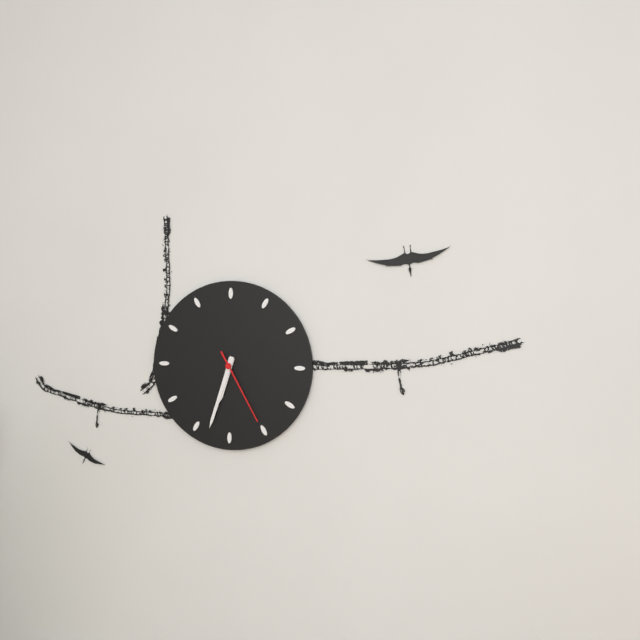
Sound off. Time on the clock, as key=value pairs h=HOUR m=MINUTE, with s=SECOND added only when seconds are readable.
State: h=6 m=33 s=25
